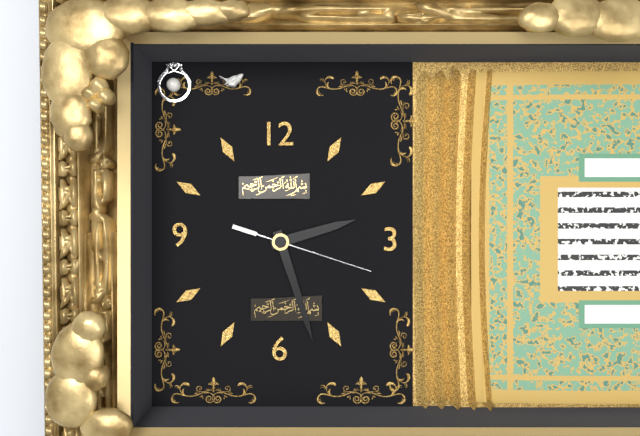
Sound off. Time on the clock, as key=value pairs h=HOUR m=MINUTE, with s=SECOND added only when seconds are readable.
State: h=2 m=27 s=18
